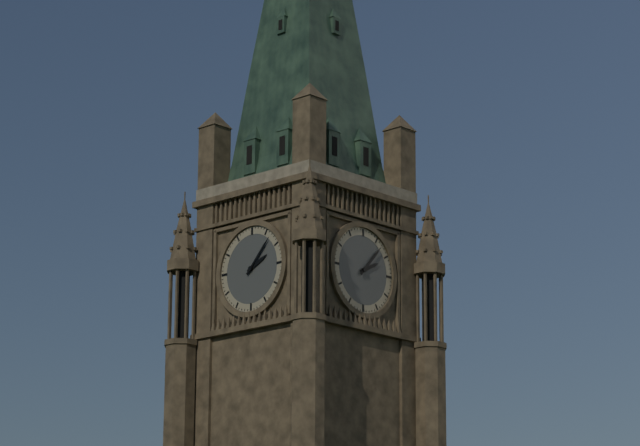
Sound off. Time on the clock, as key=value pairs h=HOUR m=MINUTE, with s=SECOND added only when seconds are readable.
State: h=2 m=7
